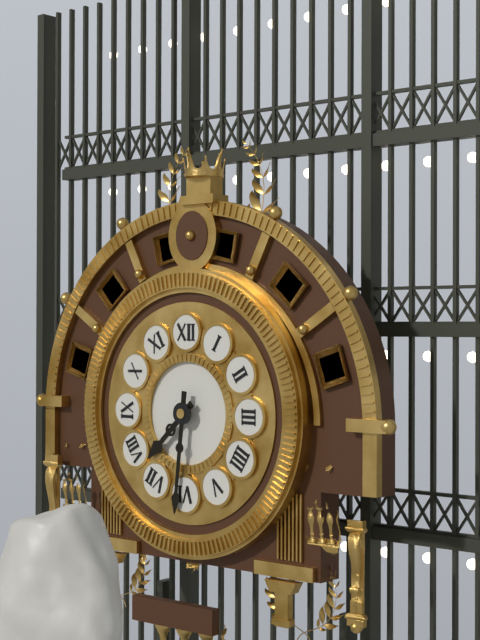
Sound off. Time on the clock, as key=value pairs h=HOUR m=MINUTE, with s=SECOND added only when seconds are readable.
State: h=7 m=31
